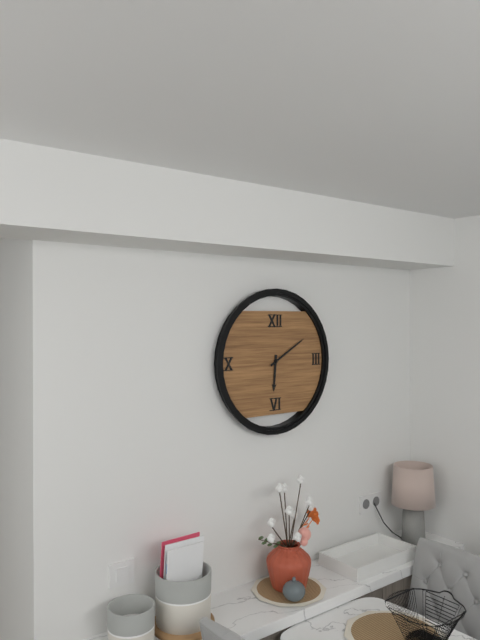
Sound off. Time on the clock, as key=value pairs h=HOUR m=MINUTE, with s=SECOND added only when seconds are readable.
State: h=6 m=10
